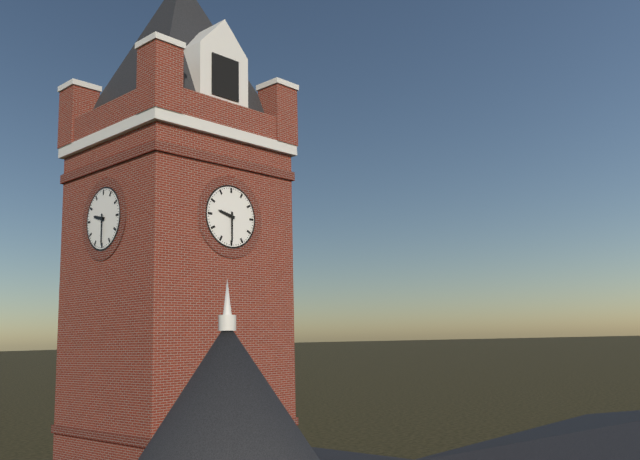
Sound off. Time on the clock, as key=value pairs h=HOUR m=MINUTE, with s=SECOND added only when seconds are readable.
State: h=9 m=30
